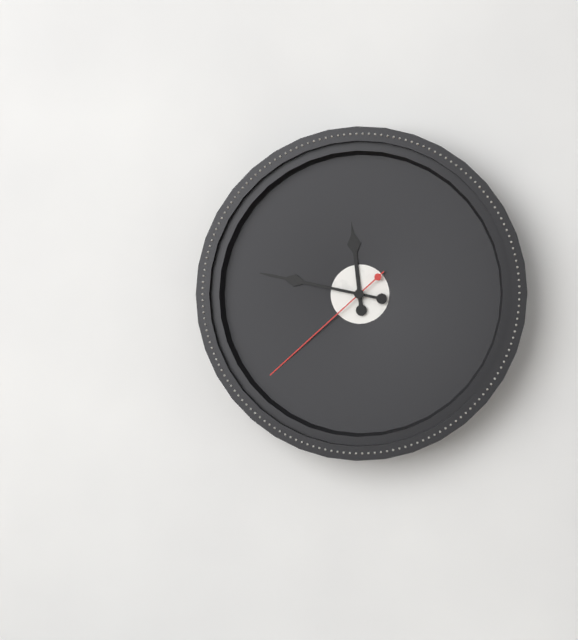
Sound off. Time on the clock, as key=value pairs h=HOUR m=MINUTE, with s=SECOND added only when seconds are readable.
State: h=11 m=47 s=38
